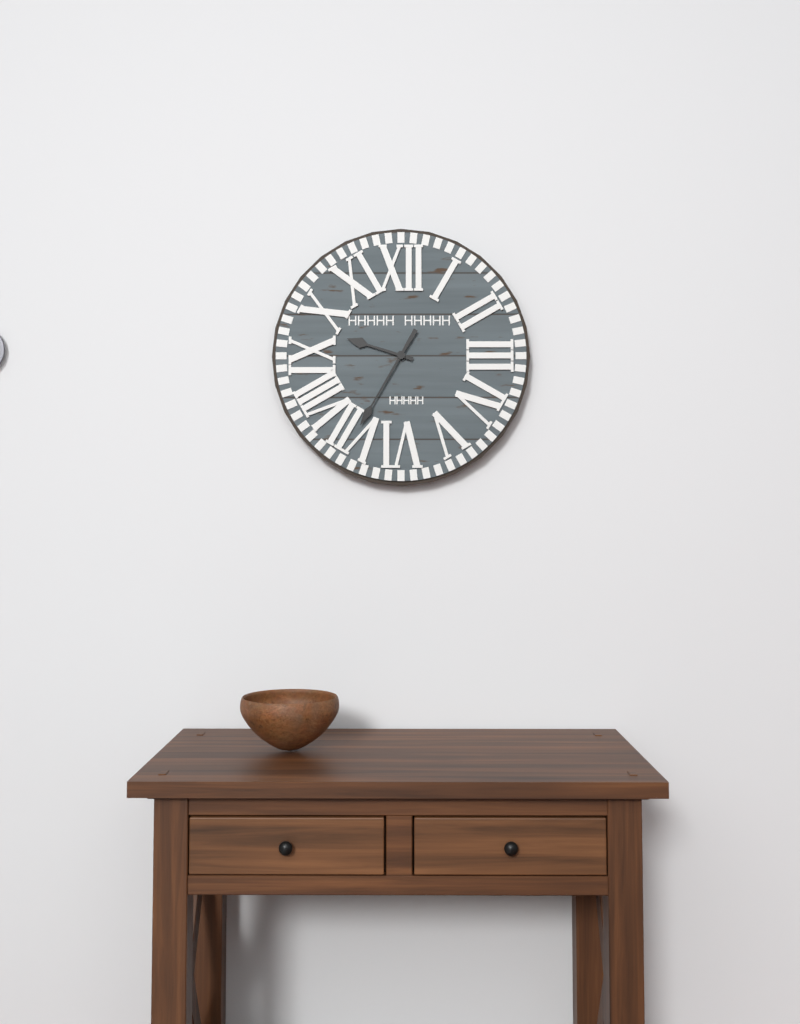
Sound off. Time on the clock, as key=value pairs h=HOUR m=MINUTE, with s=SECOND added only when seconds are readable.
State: h=9 m=35
